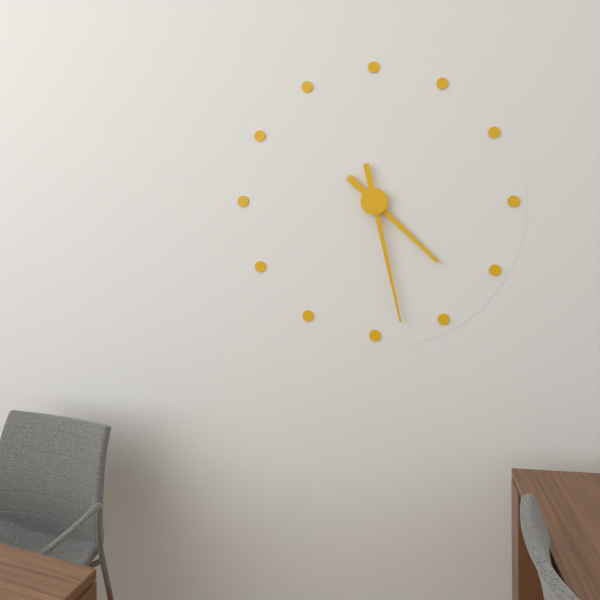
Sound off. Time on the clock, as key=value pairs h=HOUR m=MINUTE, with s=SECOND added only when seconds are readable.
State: h=4 m=28
